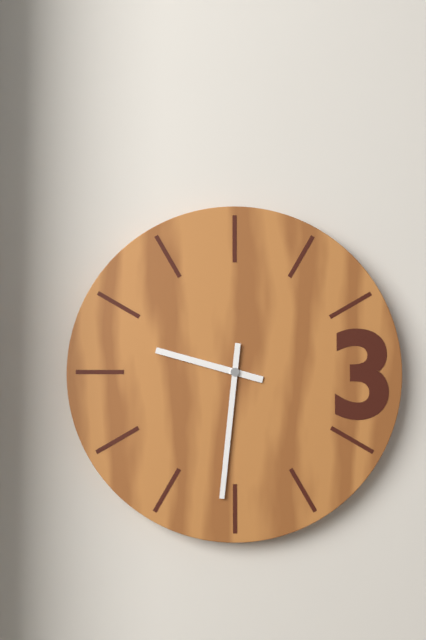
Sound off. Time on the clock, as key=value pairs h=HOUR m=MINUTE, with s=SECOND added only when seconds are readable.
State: h=9 m=31
